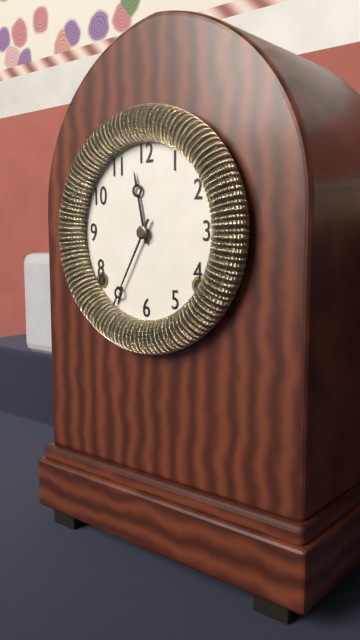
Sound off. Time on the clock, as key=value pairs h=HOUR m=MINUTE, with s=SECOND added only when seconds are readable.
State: h=11 m=35
